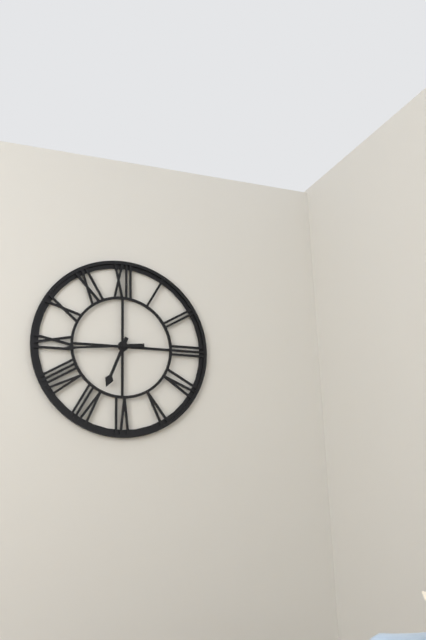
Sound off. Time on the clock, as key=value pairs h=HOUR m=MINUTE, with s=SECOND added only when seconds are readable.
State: h=6 m=44
